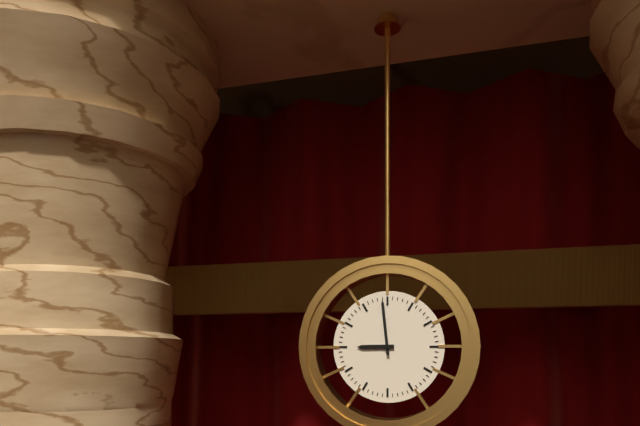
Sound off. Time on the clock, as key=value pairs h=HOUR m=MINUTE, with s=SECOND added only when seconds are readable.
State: h=8 m=59
